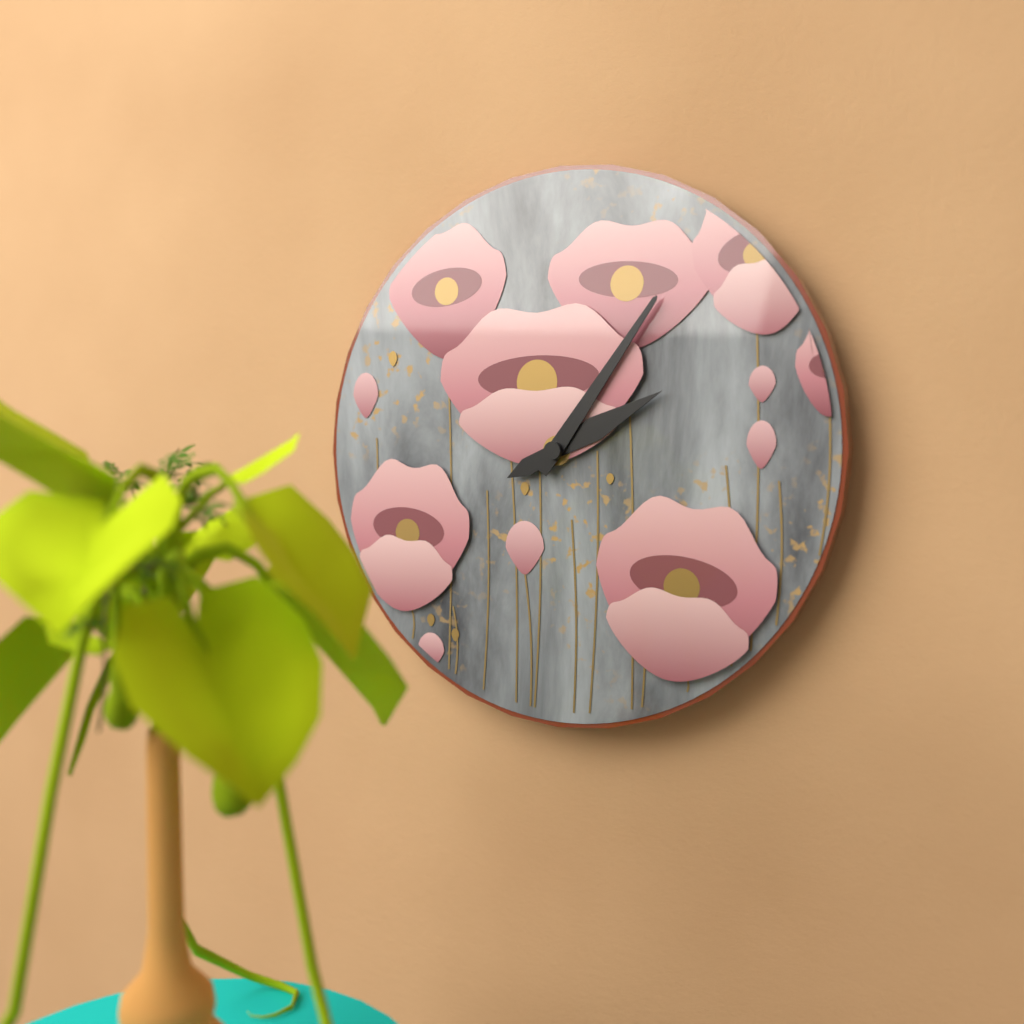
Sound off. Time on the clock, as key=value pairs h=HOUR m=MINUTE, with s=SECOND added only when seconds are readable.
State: h=2 m=6
